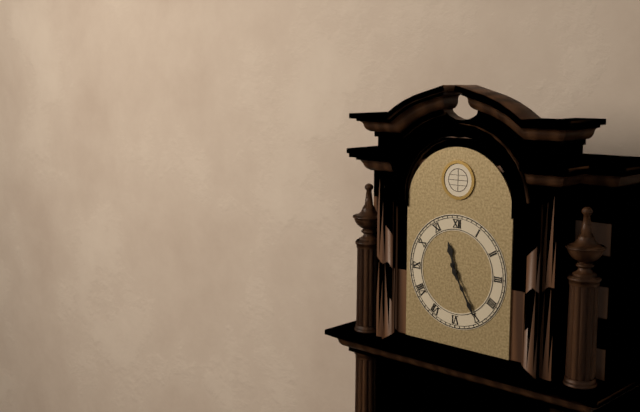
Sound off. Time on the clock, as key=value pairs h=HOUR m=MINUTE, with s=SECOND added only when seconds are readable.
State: h=11 m=25
